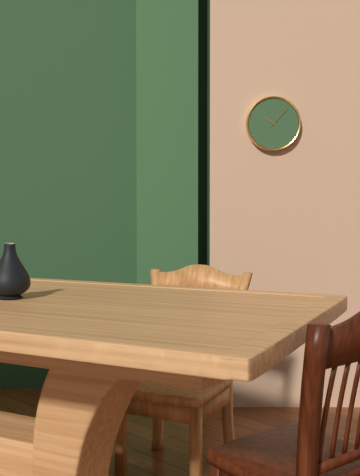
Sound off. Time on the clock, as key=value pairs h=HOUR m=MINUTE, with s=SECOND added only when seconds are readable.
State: h=10 m=7
